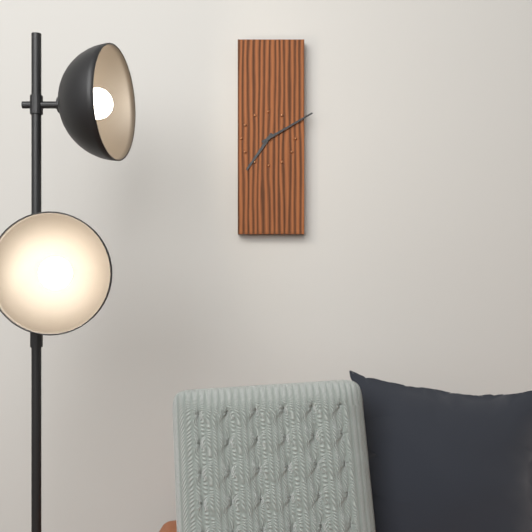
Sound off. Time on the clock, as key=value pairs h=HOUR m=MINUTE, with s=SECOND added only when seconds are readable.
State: h=7 m=10
